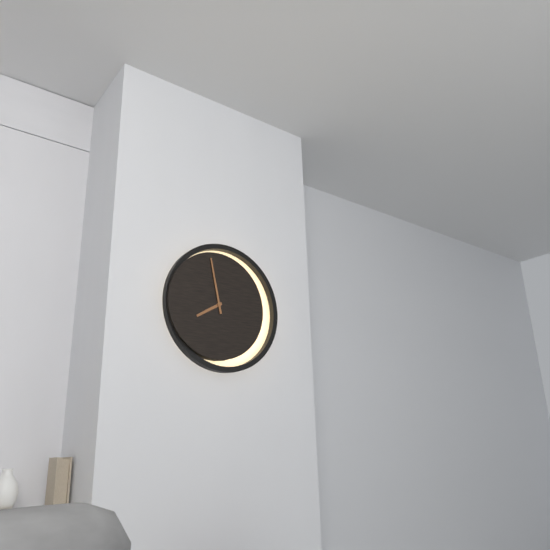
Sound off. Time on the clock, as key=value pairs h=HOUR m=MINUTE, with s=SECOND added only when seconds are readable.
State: h=7 m=58
